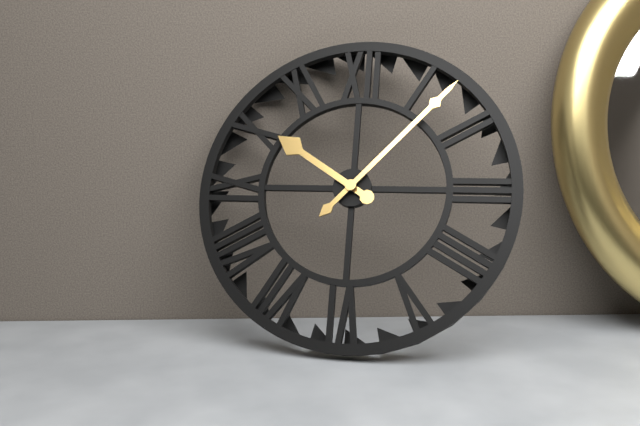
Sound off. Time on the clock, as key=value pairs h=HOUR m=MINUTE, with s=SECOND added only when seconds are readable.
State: h=10 m=7
